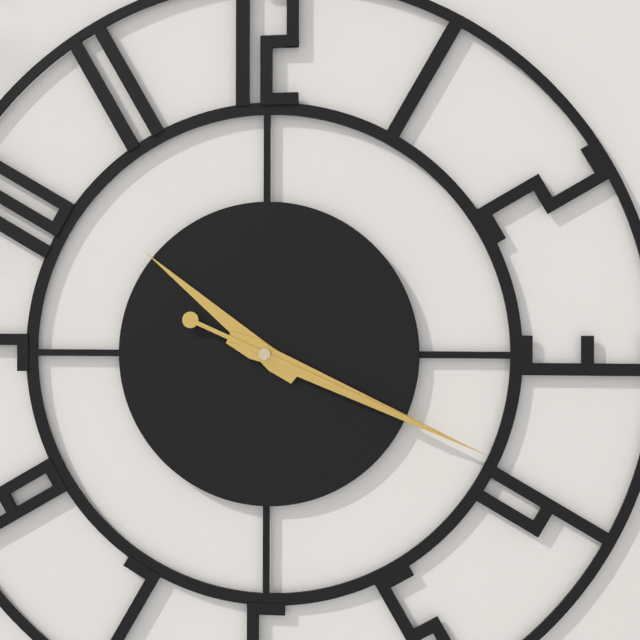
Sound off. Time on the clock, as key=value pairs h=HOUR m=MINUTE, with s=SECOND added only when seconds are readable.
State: h=10 m=19 s=19
